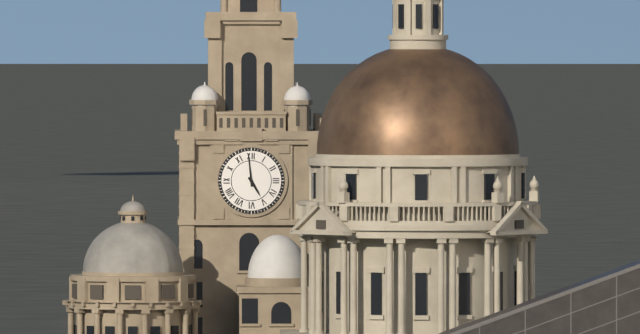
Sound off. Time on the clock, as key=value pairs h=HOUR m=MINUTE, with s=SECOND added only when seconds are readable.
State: h=4 m=59
